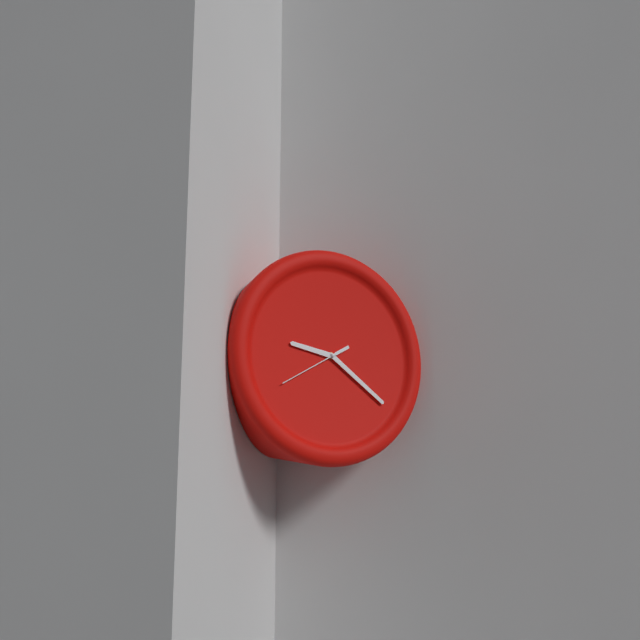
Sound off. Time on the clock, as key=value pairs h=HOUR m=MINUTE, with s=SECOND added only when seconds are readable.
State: h=9 m=21 s=40
